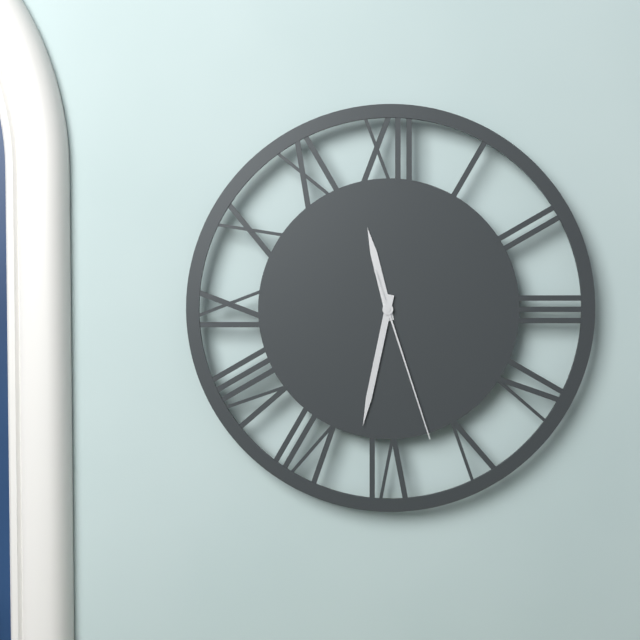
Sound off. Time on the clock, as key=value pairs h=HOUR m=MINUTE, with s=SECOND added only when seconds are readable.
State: h=11 m=32 s=27
